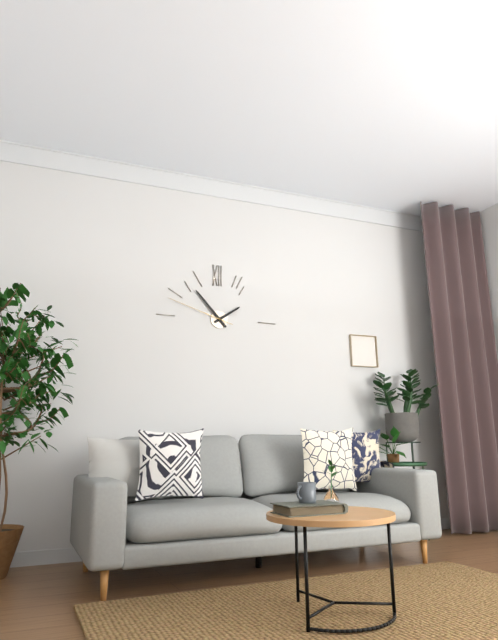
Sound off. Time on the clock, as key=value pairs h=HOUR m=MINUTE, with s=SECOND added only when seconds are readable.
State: h=1 m=53 s=48
